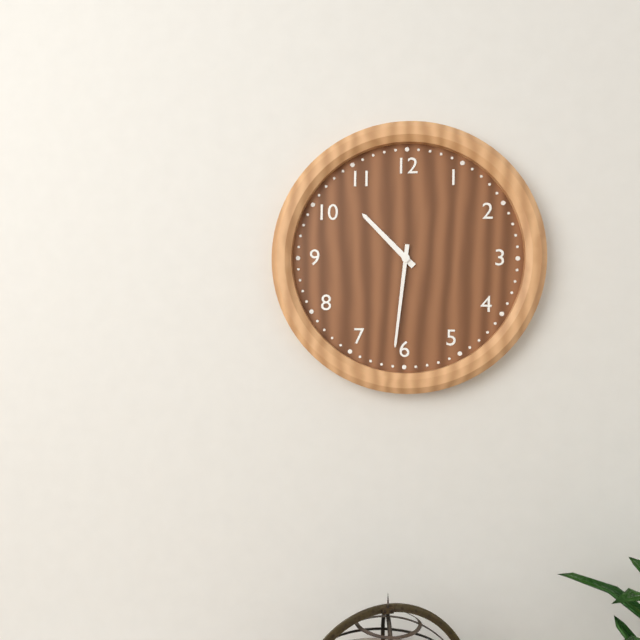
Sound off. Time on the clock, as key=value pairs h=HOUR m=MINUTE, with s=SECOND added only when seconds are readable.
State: h=10 m=31
